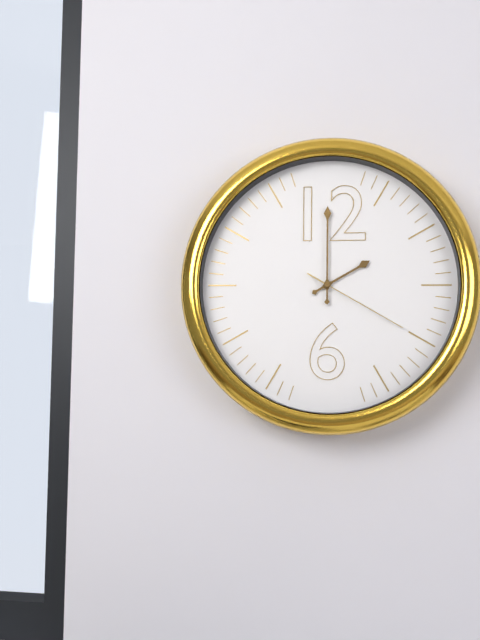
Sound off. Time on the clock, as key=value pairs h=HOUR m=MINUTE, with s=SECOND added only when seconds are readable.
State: h=2 m=0 s=20
